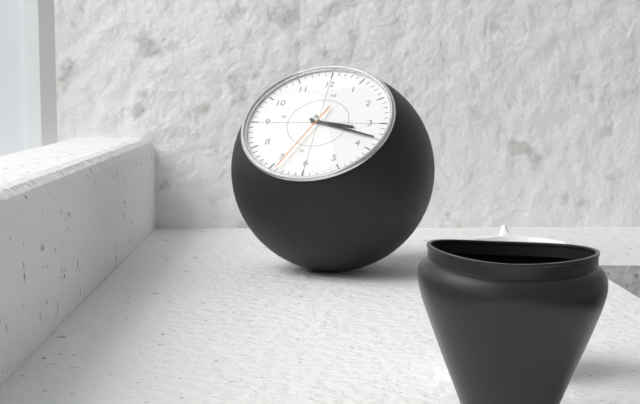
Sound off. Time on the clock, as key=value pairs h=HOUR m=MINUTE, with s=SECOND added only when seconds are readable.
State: h=3 m=18 s=34
